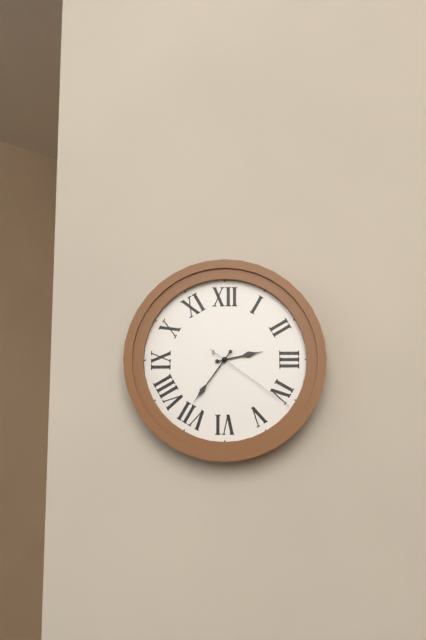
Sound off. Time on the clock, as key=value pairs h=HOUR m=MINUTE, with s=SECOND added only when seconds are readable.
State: h=2 m=36 s=21
